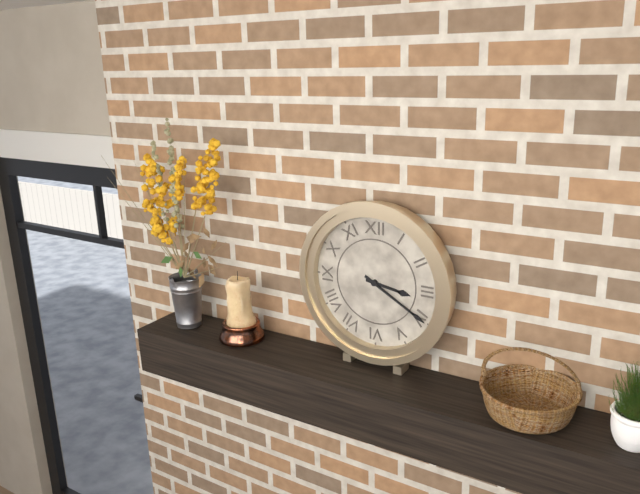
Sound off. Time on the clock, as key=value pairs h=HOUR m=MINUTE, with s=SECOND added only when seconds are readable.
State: h=3 m=20
